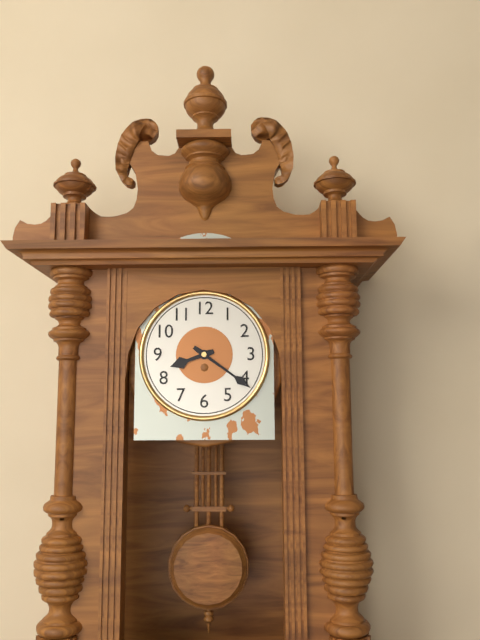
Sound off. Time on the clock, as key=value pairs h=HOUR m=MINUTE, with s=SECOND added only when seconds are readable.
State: h=8 m=21
